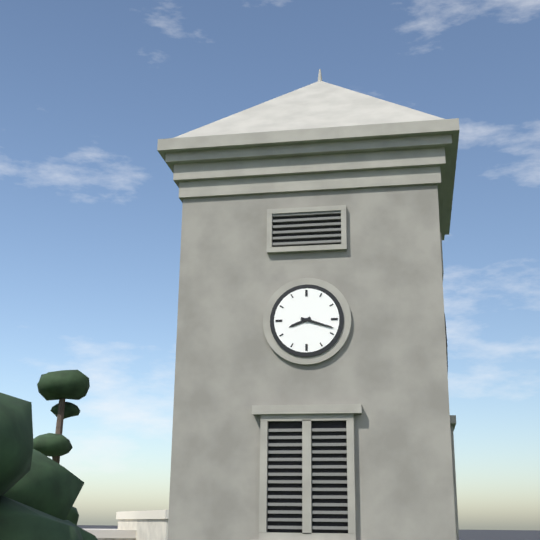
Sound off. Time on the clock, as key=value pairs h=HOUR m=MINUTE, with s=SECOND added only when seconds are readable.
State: h=8 m=18
